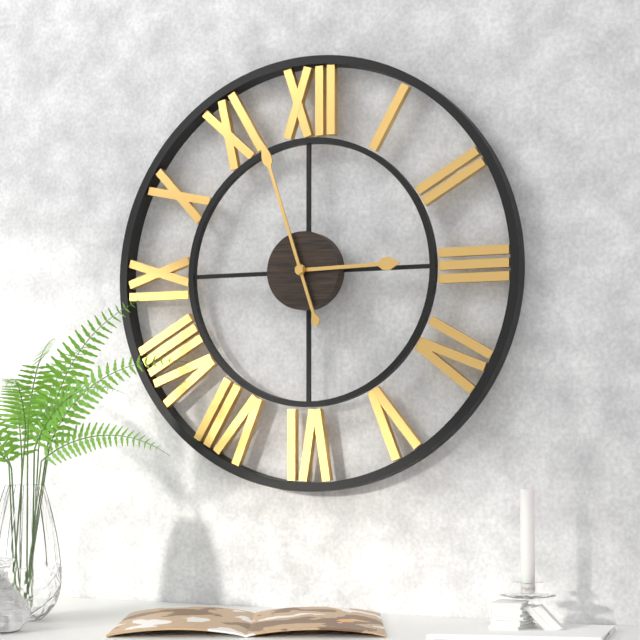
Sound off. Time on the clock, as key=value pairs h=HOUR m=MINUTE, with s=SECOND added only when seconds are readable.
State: h=2 m=57
